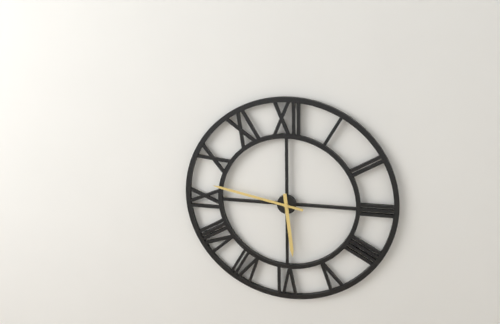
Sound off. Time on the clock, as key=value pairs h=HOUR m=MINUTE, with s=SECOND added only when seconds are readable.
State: h=5 m=47
